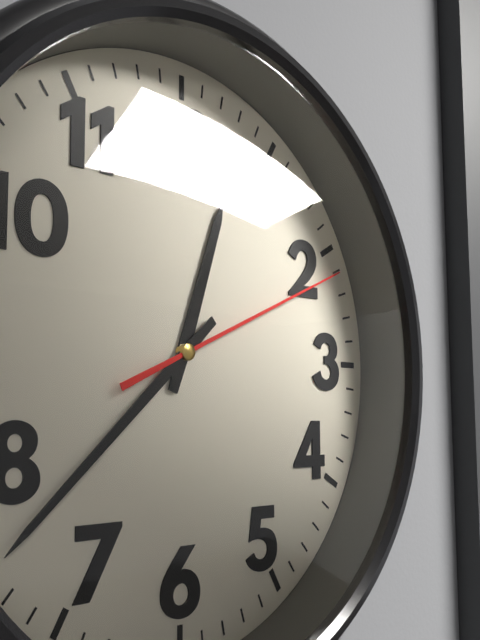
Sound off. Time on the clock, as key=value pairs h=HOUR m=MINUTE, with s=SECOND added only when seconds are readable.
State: h=12 m=38 s=11
